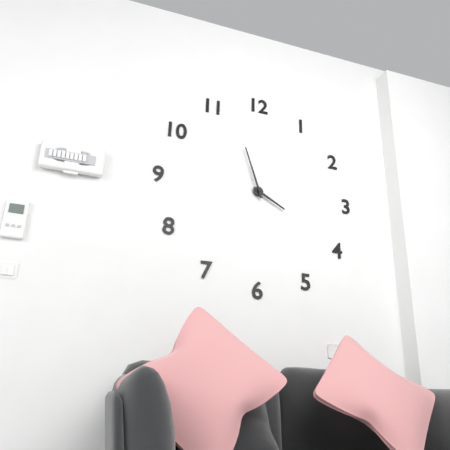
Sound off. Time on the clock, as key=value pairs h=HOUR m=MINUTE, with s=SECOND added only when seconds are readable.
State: h=3 m=57
